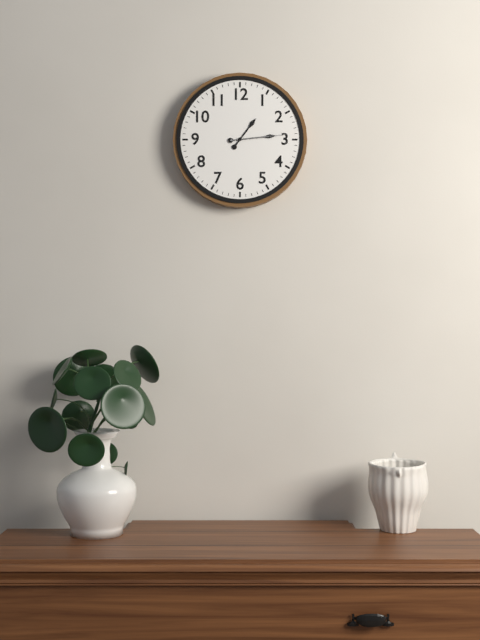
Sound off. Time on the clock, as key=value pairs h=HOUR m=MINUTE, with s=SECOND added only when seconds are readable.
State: h=1 m=14 s=14
